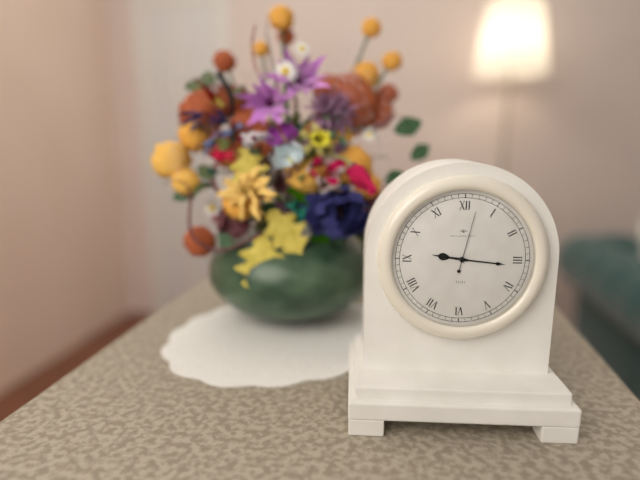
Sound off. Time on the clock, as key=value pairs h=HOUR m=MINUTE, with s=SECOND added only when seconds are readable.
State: h=9 m=16 s=2
